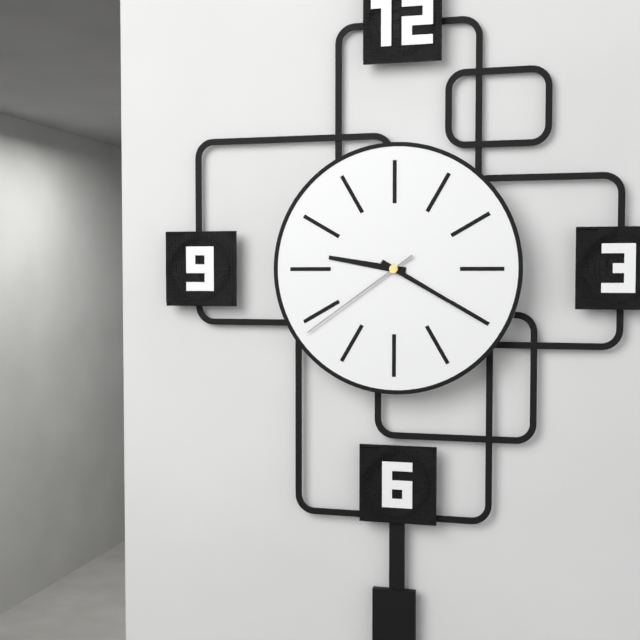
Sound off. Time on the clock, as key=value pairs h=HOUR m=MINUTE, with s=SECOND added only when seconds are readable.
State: h=9 m=20 s=39
